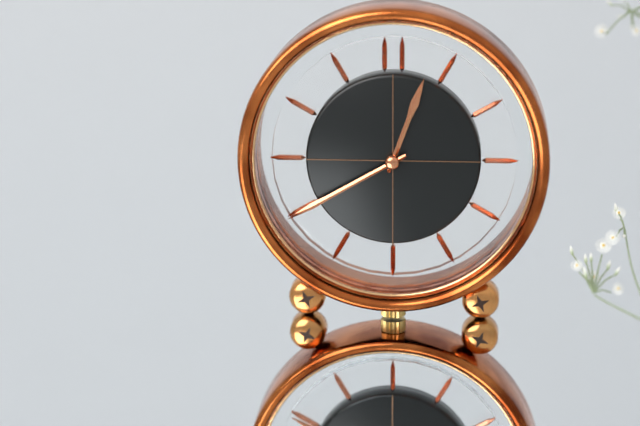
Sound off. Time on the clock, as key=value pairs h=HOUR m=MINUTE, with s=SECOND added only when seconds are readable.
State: h=12 m=40
